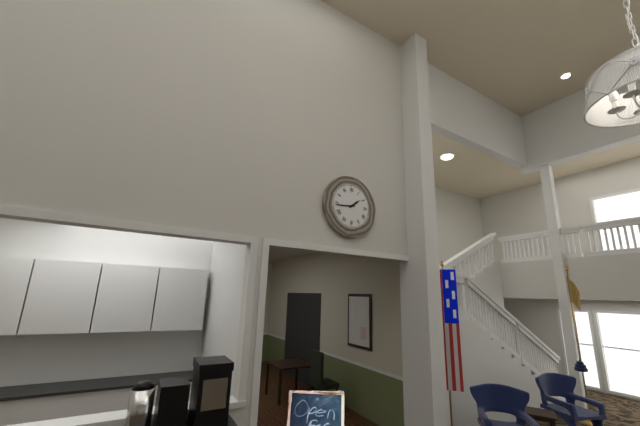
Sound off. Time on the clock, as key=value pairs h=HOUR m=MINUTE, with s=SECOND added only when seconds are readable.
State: h=1 m=44
